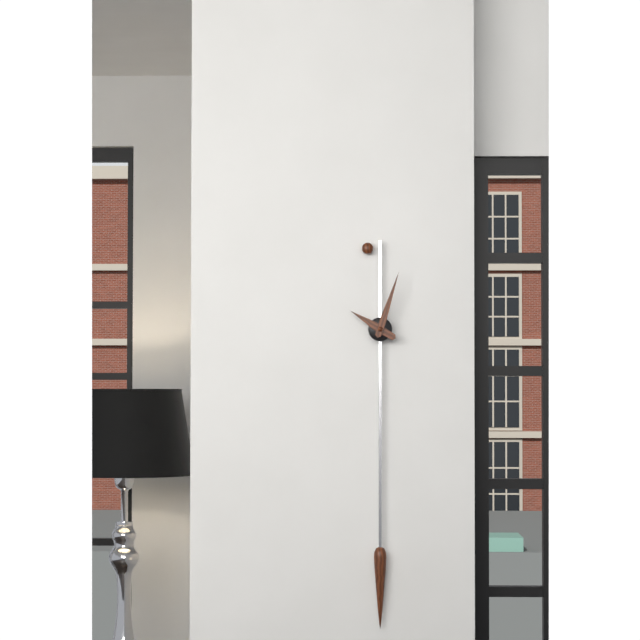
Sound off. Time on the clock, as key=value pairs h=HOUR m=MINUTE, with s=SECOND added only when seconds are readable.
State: h=10 m=3
